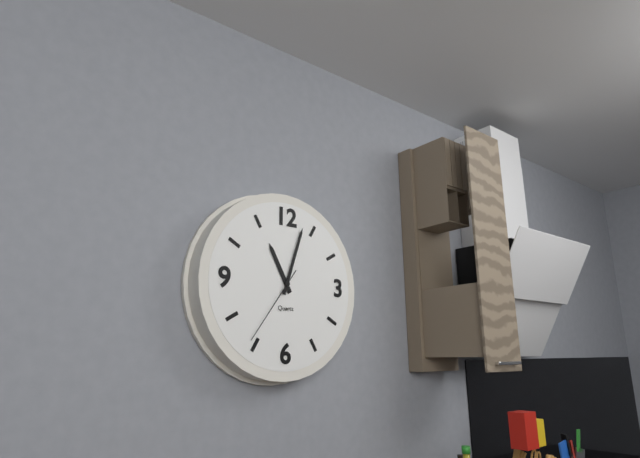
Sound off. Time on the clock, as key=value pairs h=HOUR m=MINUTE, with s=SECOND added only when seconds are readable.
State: h=11 m=3 s=36
